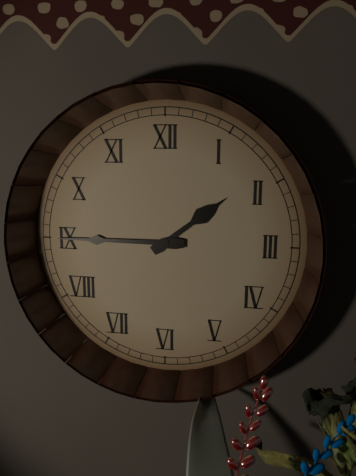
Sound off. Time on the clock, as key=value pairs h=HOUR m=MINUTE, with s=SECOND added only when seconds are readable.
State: h=1 m=45
